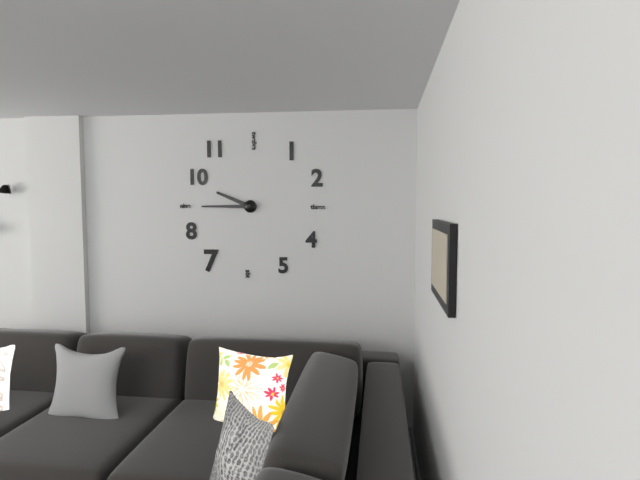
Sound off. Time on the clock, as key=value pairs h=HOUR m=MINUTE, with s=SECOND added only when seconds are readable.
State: h=9 m=45
